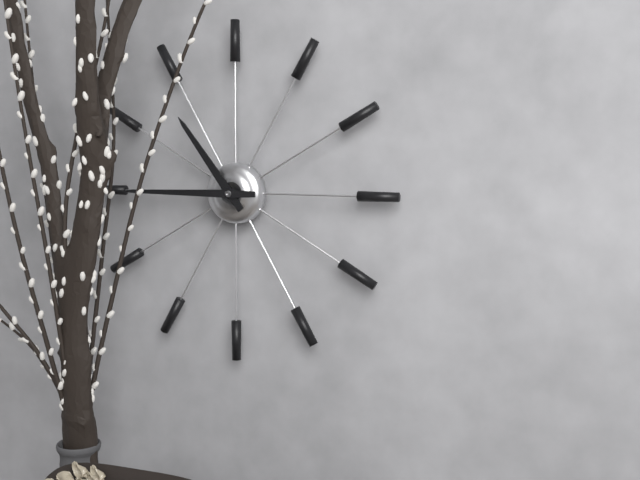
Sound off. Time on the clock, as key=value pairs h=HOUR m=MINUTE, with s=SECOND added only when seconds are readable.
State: h=10 m=45
